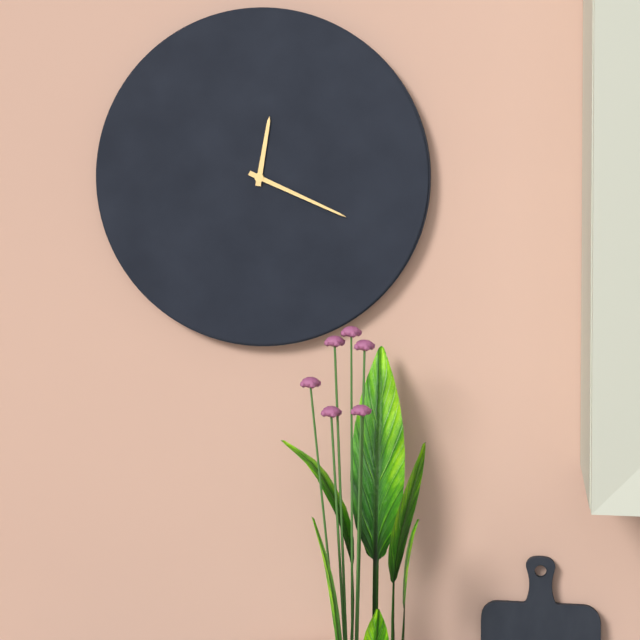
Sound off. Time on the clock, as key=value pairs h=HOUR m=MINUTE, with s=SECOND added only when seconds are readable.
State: h=12 m=19
